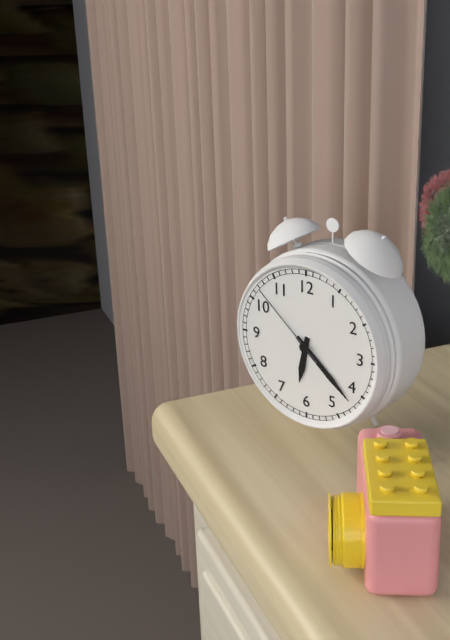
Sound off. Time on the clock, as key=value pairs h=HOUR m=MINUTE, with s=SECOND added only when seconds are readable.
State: h=6 m=22 s=52
